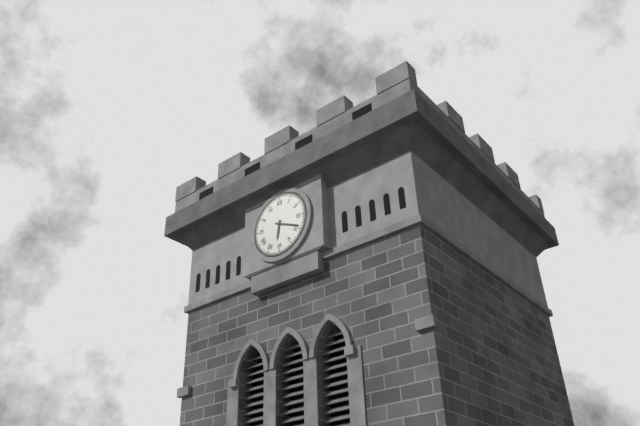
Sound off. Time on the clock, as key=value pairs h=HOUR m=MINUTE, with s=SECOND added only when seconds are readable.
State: h=6 m=19
